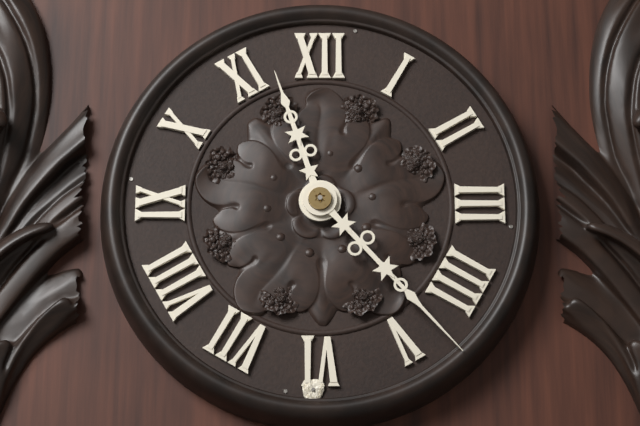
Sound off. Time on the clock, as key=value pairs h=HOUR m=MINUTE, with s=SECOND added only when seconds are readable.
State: h=11 m=23
